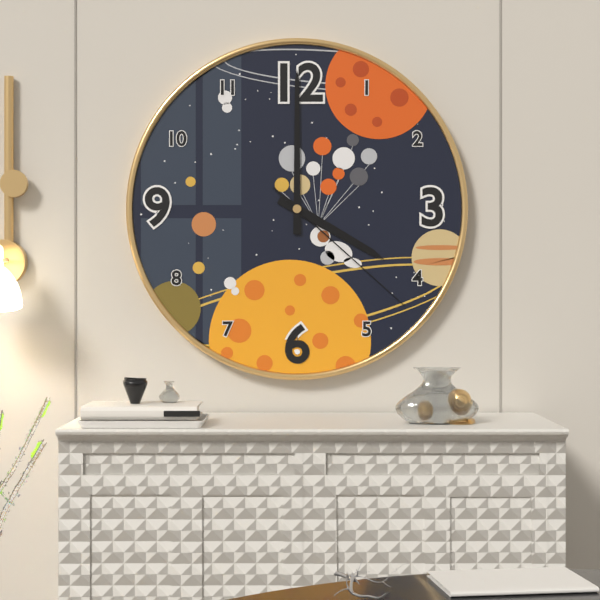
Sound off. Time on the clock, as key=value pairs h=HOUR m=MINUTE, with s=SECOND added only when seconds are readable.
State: h=4 m=0 s=22
